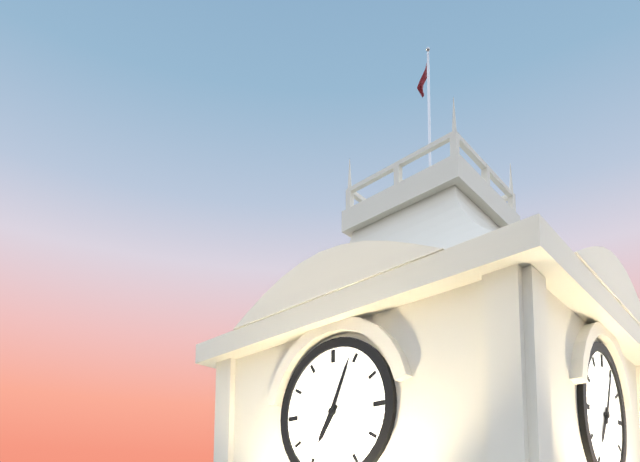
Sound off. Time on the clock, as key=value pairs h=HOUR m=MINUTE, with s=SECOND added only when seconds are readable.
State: h=7 m=4
